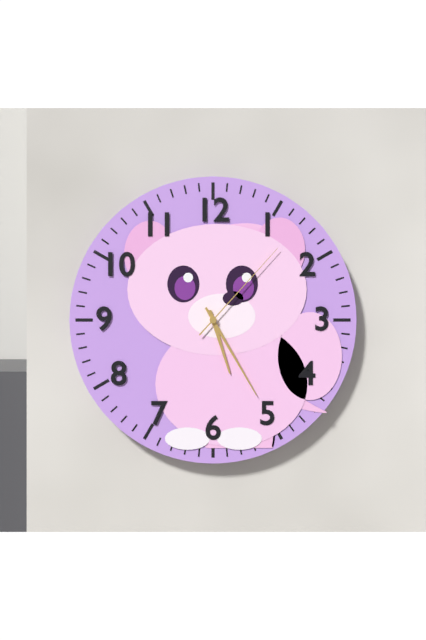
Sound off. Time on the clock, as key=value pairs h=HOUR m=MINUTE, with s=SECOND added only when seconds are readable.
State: h=5 m=25 s=7
